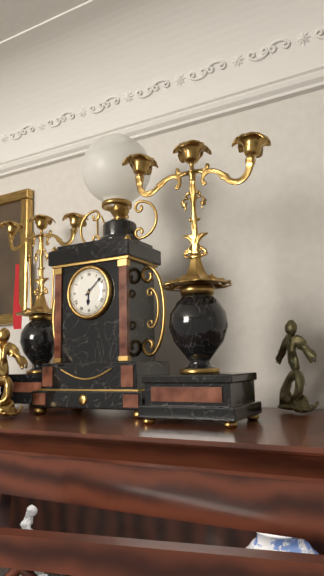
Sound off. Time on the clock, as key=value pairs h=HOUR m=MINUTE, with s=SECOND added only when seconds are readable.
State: h=6 m=8
